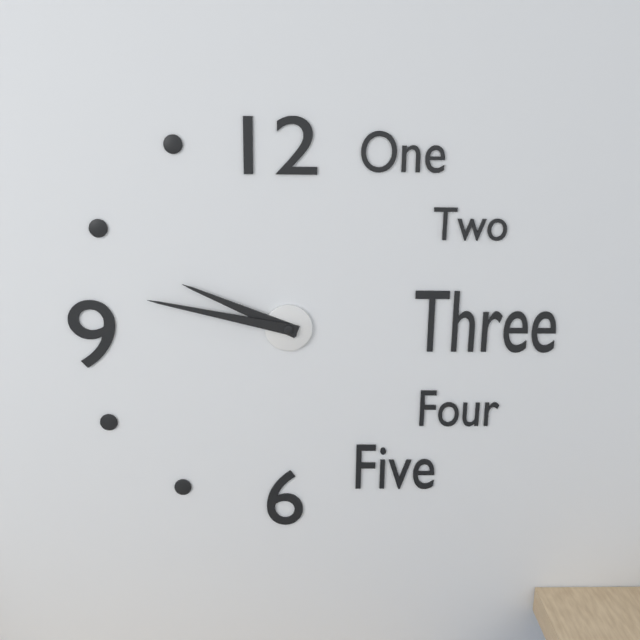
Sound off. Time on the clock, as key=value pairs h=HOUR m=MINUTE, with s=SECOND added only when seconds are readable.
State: h=9 m=47
